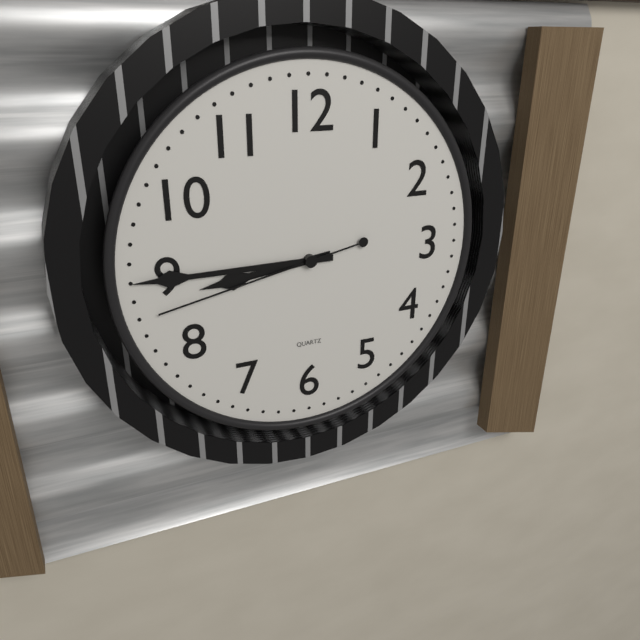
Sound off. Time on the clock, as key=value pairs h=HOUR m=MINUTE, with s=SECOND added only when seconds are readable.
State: h=8 m=45 s=43
